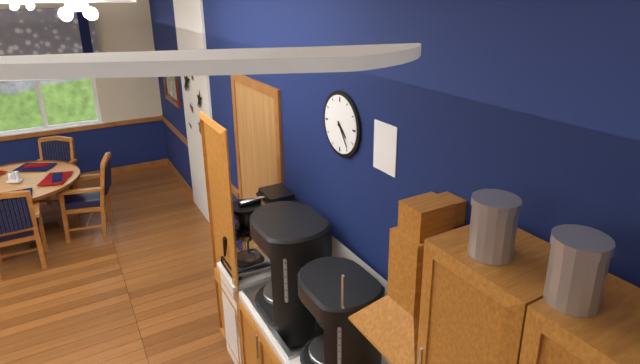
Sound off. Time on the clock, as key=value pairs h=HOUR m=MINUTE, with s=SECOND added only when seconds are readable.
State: h=4 m=24
